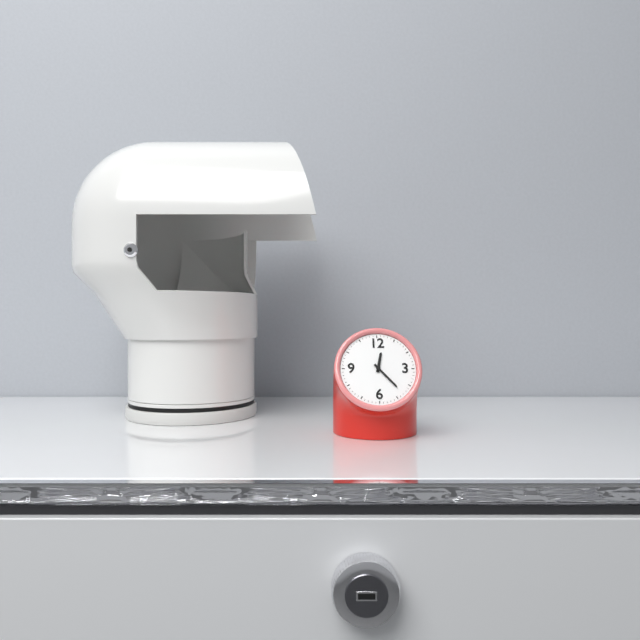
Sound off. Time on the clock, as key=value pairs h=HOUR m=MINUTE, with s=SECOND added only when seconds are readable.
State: h=12 m=23
